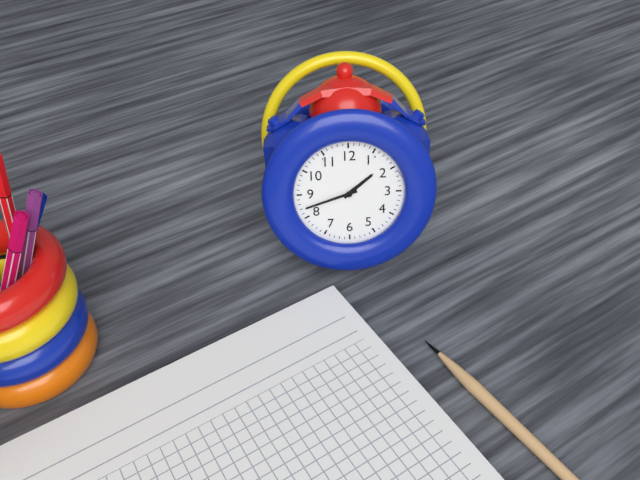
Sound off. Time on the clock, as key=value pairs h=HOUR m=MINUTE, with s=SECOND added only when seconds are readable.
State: h=1 m=42
